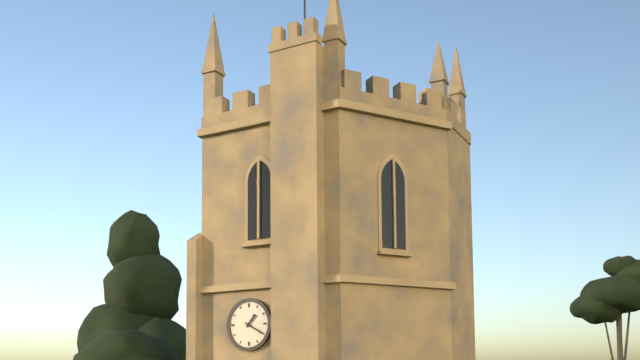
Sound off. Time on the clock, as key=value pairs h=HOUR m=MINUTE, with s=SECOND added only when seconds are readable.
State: h=1 m=20
